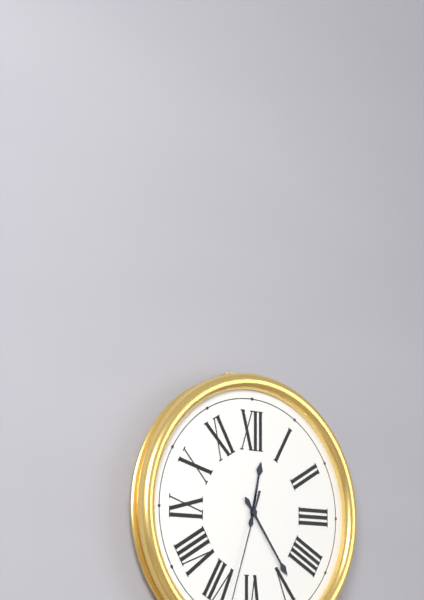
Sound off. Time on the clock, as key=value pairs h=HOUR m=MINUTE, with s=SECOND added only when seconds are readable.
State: h=12 m=24
